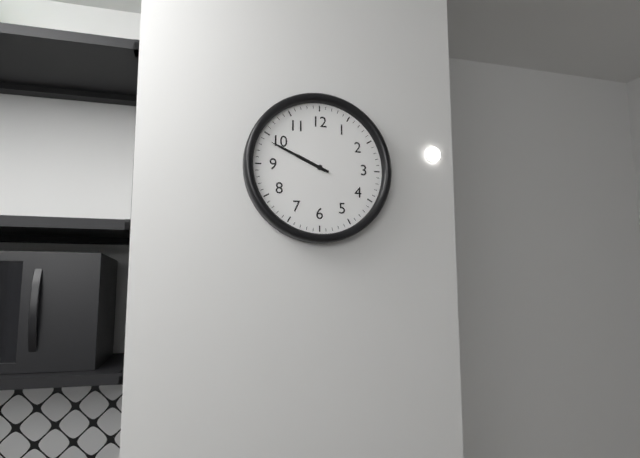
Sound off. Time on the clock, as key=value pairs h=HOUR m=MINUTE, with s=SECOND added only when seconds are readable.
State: h=9 m=49
